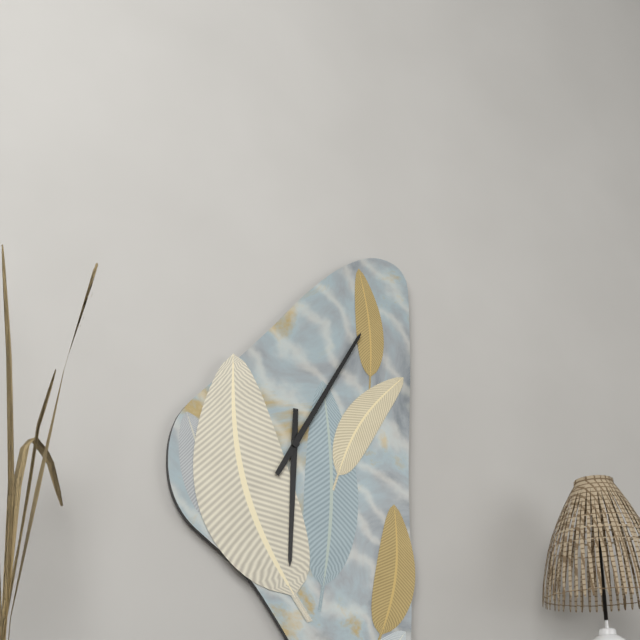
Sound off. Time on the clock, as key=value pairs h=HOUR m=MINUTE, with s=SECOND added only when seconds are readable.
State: h=6 m=5
